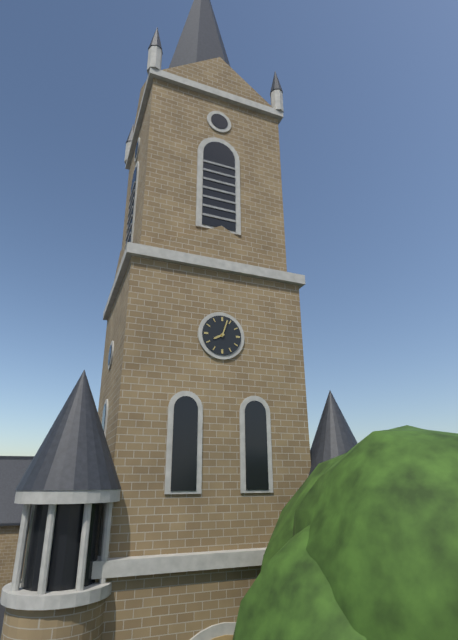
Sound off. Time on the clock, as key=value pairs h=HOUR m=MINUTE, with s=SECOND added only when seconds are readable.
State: h=8 m=3
